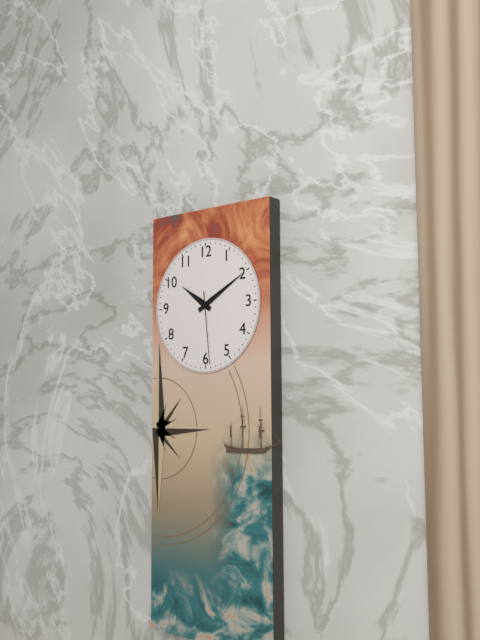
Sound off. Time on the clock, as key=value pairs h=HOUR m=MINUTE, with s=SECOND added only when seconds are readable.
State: h=10 m=10 s=29
